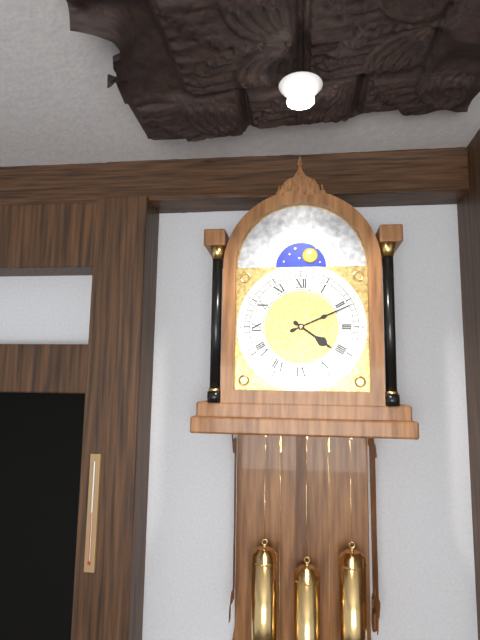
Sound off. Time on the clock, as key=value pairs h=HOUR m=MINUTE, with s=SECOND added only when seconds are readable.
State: h=4 m=11
